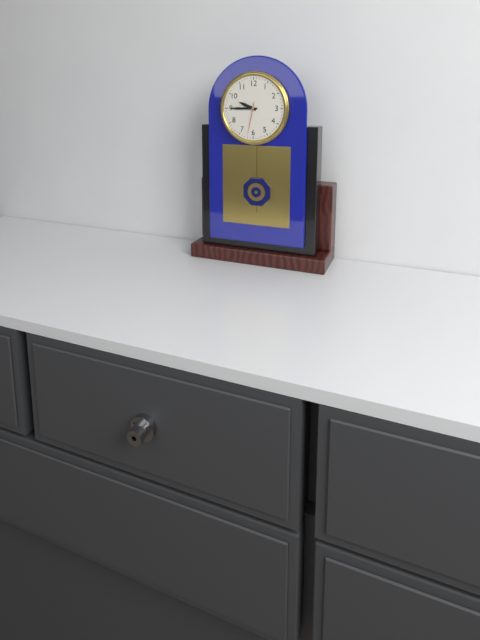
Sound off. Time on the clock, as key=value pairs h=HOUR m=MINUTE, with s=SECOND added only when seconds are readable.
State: h=9 m=45
